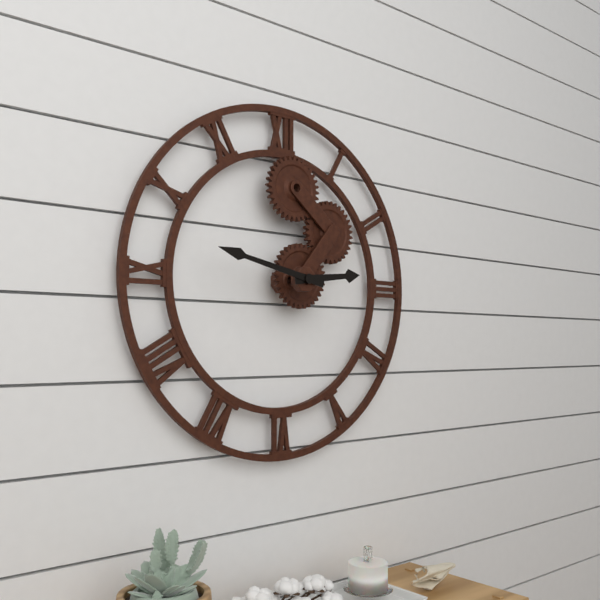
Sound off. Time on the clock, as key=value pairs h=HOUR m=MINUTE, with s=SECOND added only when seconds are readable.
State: h=2 m=47
